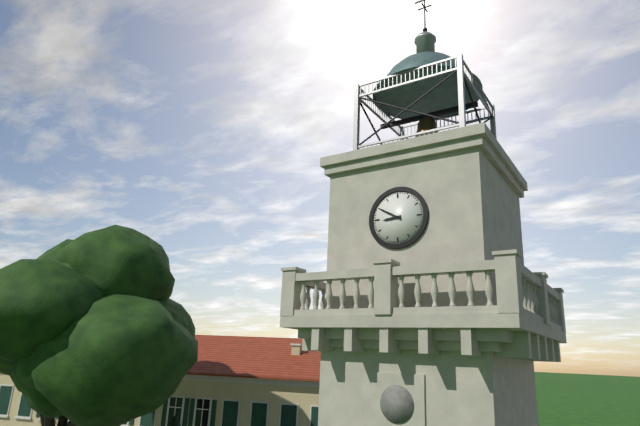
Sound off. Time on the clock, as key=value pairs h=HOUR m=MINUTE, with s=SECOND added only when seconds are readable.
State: h=8 m=50
